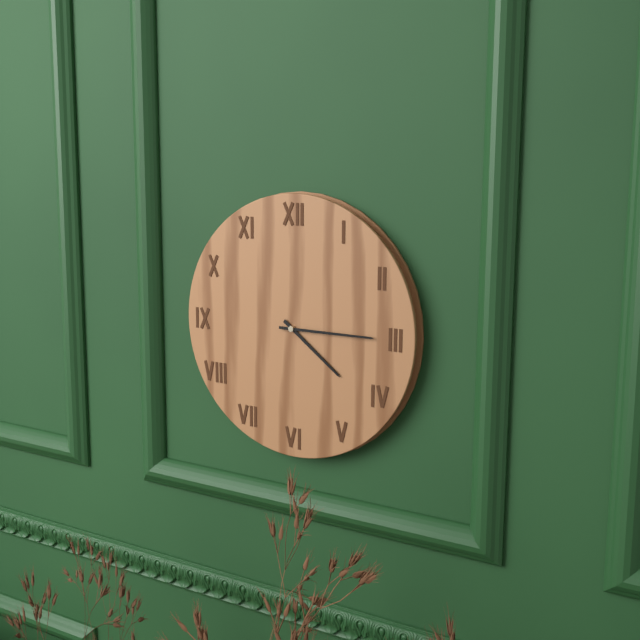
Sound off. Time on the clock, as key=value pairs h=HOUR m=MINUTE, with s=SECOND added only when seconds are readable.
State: h=4 m=15
